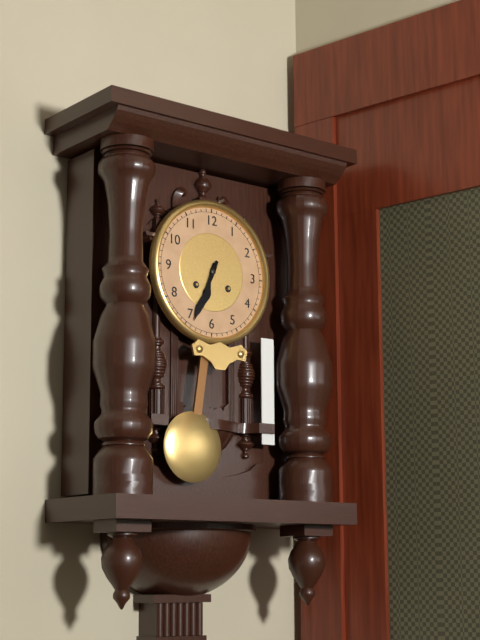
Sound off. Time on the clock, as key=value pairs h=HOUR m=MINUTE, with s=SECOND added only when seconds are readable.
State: h=6 m=34
